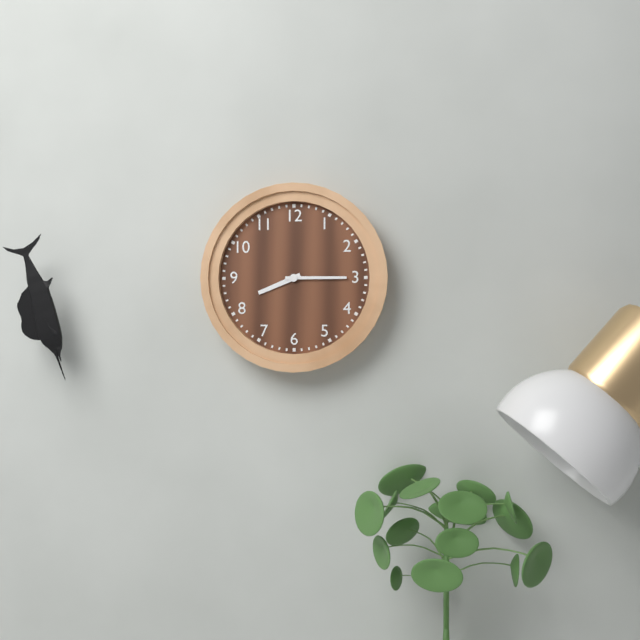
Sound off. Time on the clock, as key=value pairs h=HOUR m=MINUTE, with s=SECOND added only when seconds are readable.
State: h=8 m=15
